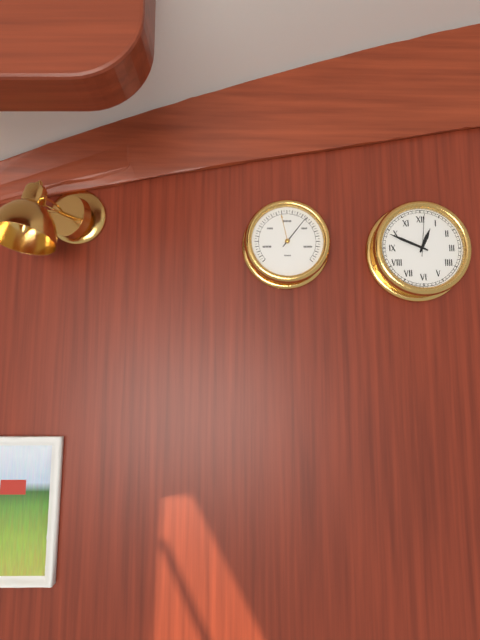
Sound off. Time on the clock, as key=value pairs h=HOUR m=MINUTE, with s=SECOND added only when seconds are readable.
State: h=12 m=49
